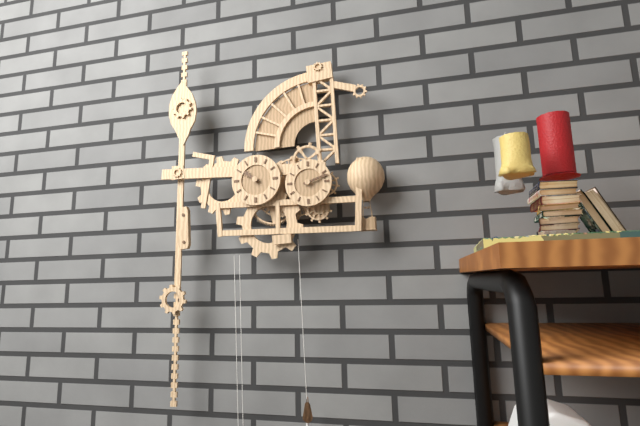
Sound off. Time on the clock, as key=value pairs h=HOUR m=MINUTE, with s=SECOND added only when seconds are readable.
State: h=10 m=12
